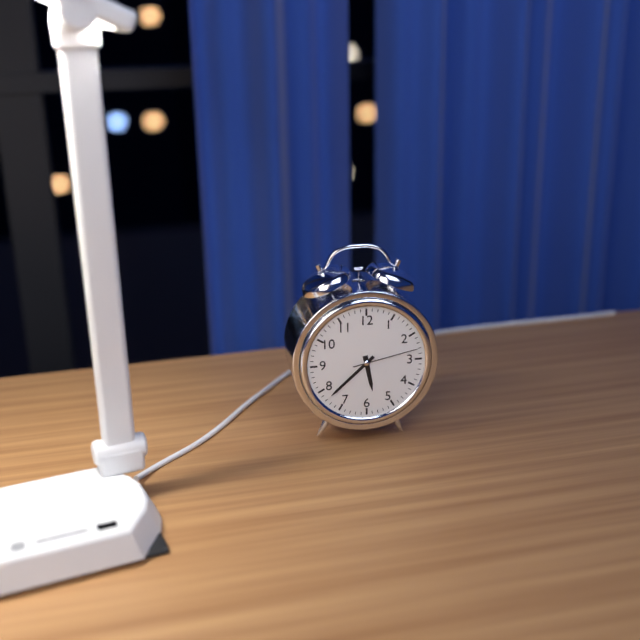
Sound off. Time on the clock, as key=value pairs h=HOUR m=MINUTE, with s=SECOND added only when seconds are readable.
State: h=5 m=38 s=13
